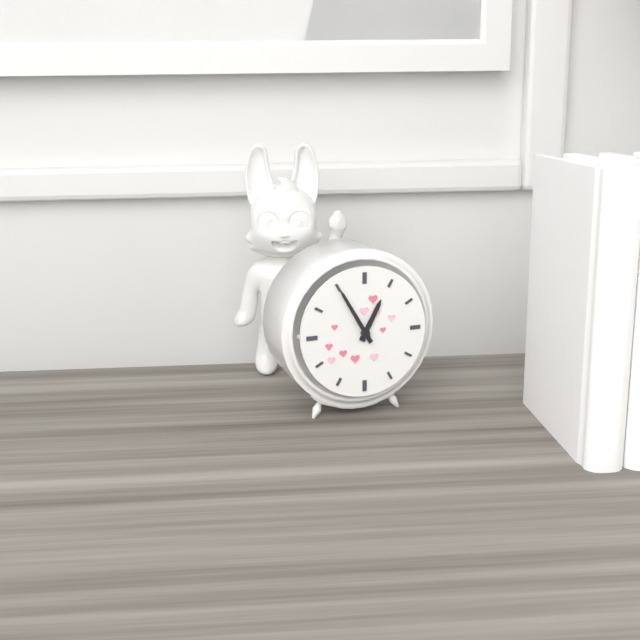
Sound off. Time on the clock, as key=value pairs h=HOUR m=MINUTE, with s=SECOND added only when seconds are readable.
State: h=12 m=55
